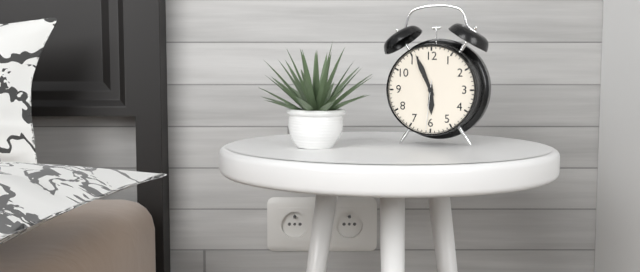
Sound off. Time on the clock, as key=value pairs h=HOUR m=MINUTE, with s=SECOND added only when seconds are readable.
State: h=5 m=56 s=31
